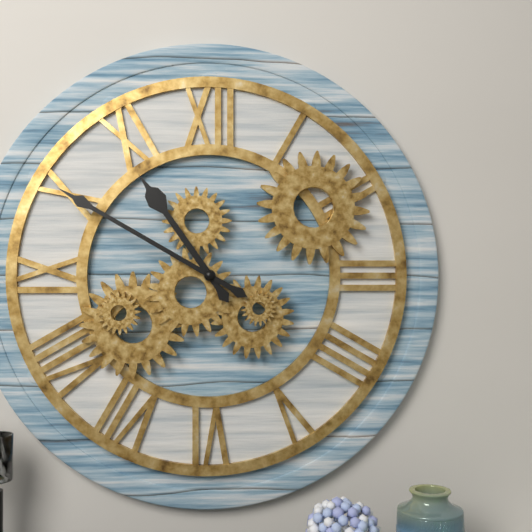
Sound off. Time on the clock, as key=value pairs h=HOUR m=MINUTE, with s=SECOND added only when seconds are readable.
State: h=10 m=50
